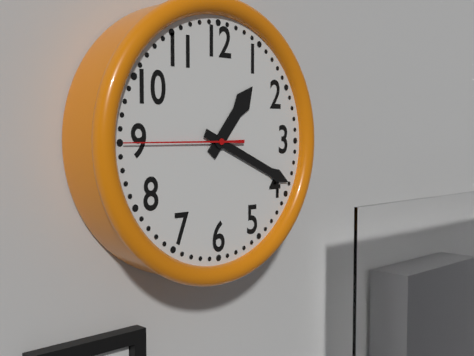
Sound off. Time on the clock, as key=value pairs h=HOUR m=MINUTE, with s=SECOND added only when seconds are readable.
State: h=1 m=19 s=45
